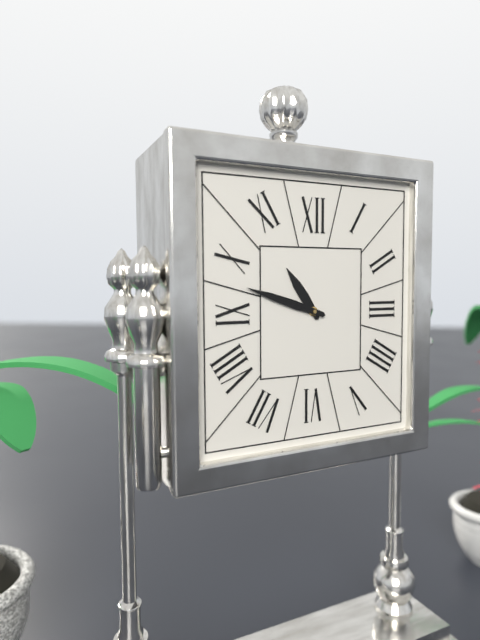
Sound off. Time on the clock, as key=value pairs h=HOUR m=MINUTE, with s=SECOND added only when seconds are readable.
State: h=10 m=48
